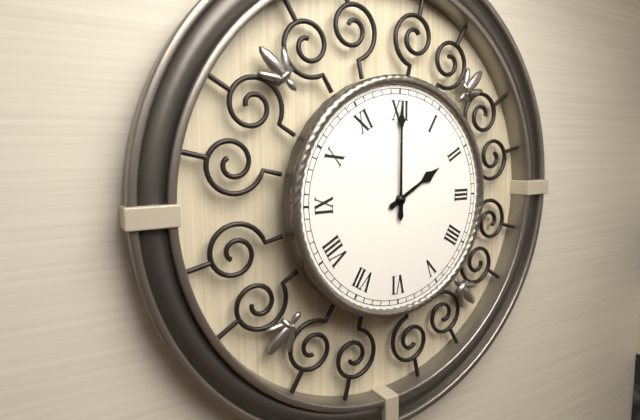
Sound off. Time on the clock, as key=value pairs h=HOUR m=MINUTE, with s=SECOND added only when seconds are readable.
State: h=2 m=0
